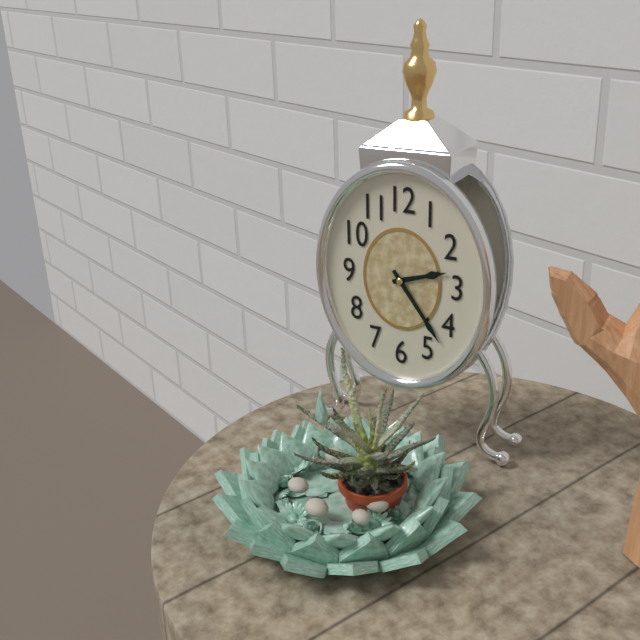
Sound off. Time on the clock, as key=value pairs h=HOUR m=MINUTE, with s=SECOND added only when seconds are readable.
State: h=2 m=24
